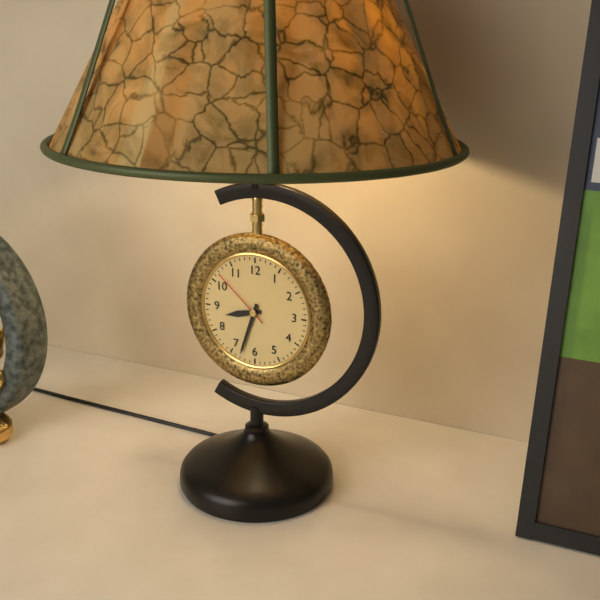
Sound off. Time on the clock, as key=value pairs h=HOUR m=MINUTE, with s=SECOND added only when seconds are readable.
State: h=8 m=33 s=52
